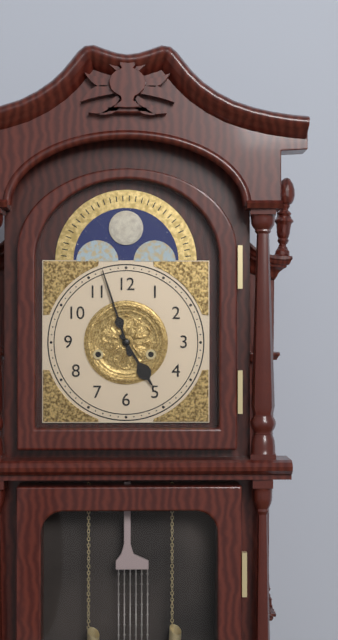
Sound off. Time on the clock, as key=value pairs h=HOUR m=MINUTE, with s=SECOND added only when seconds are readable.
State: h=4 m=57
